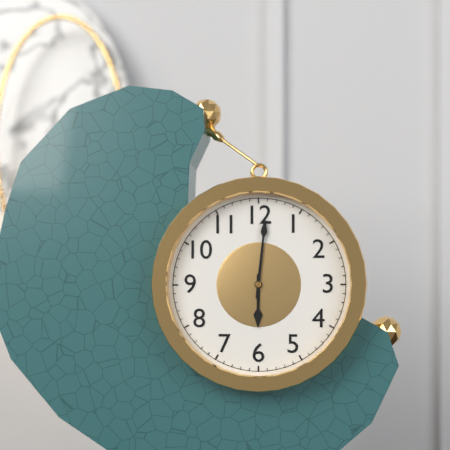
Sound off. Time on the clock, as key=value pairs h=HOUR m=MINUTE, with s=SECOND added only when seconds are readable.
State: h=6 m=1
